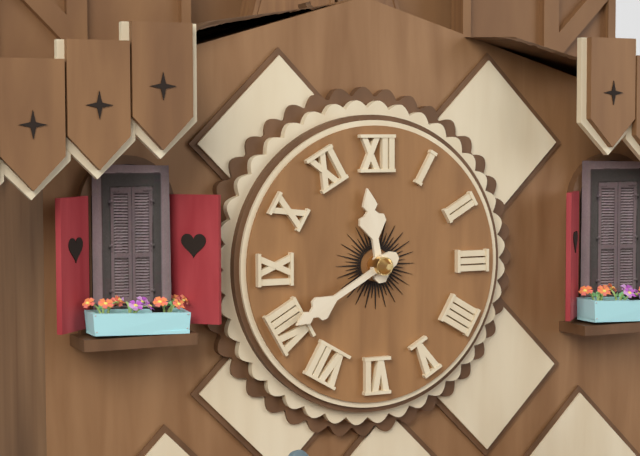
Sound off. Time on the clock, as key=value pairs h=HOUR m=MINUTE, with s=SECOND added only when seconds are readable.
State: h=11 m=40
